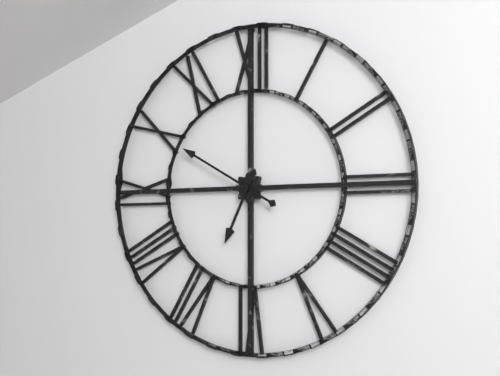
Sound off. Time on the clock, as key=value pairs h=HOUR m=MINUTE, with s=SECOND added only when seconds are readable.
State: h=6 m=50
